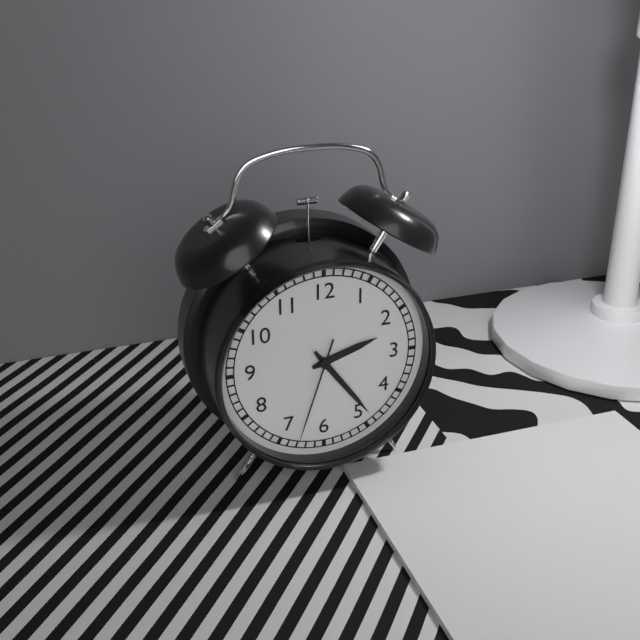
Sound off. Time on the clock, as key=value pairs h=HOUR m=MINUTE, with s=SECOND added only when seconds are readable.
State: h=2 m=24 s=33
